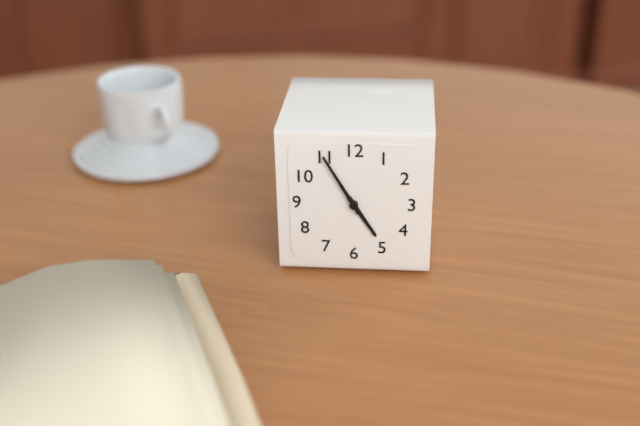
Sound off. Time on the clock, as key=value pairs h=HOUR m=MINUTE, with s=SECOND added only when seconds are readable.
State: h=4 m=55
